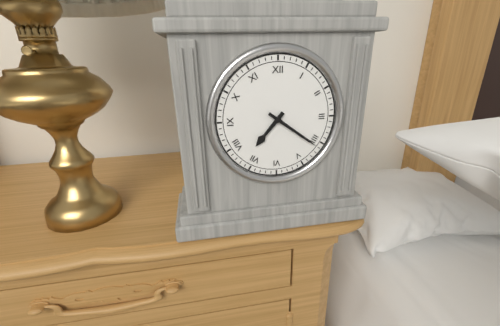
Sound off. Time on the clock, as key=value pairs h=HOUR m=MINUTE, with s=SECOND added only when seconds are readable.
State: h=7 m=21
